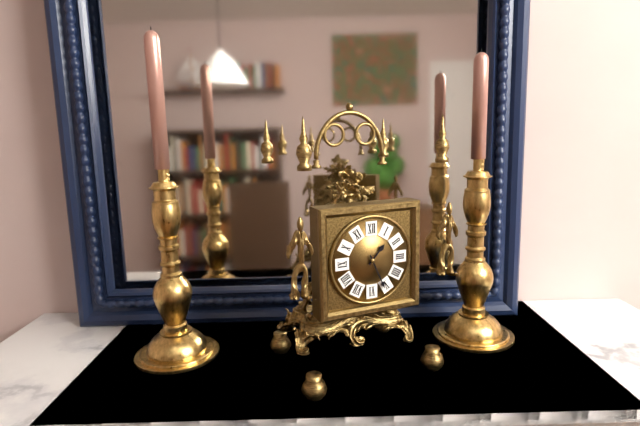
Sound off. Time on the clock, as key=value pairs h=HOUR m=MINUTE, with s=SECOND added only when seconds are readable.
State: h=1 m=26
